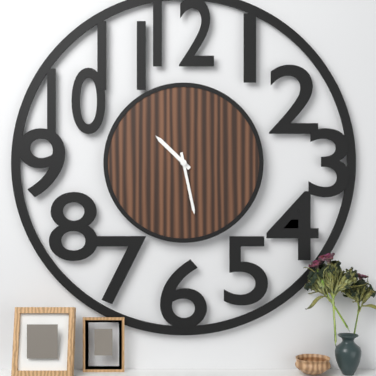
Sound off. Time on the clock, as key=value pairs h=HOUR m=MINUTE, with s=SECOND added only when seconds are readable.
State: h=10 m=28
